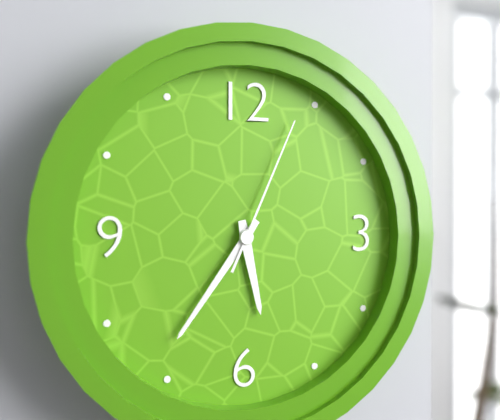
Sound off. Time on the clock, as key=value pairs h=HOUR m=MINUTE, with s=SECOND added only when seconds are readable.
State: h=5 m=36 s=4
